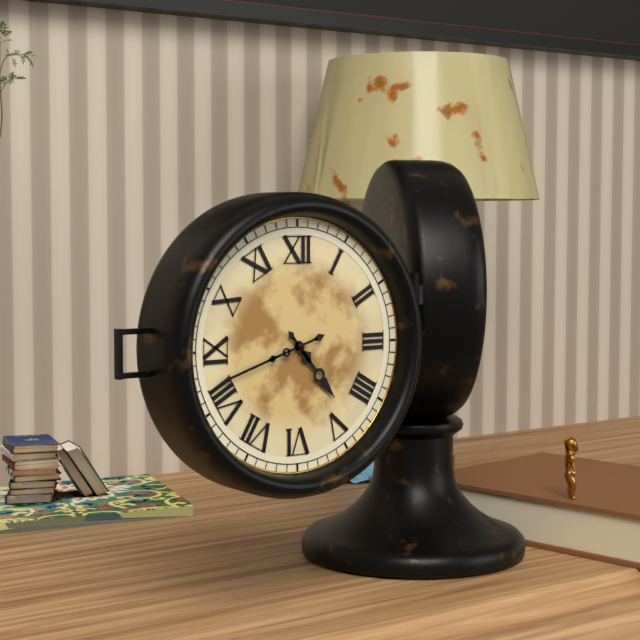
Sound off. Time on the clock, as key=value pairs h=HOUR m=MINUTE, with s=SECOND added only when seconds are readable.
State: h=4 m=42
